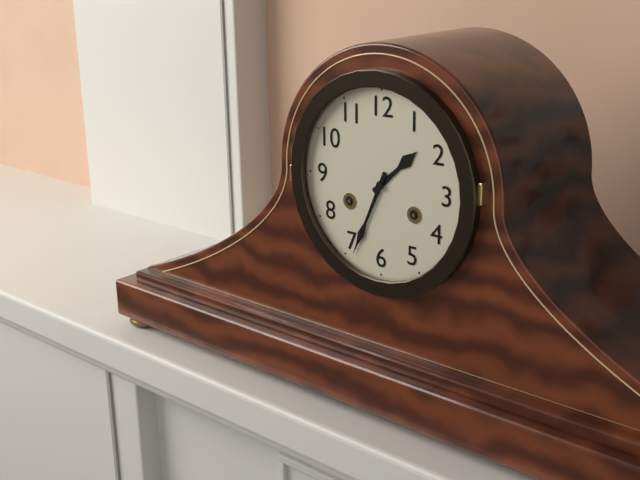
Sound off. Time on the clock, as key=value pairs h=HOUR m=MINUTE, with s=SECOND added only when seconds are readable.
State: h=1 m=34
